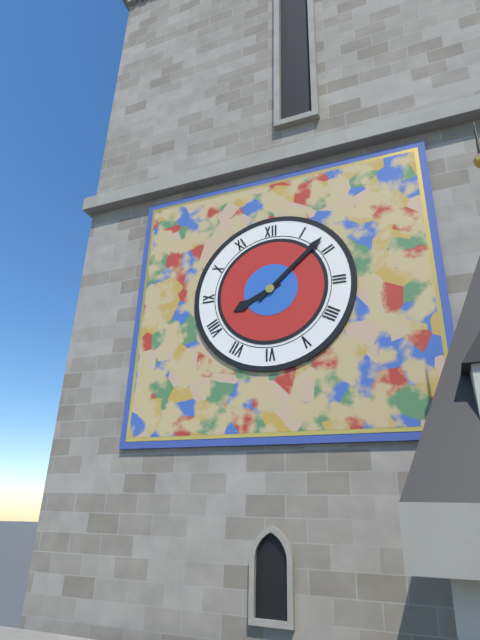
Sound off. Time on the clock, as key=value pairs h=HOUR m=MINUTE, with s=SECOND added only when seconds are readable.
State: h=8 m=8
